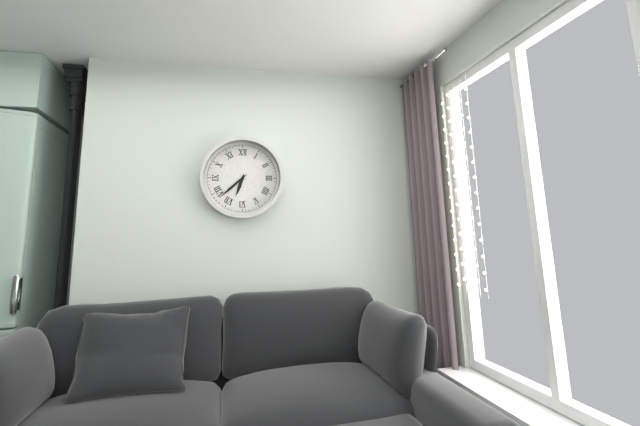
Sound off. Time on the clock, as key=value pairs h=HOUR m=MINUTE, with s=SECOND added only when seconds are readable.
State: h=6 m=38
